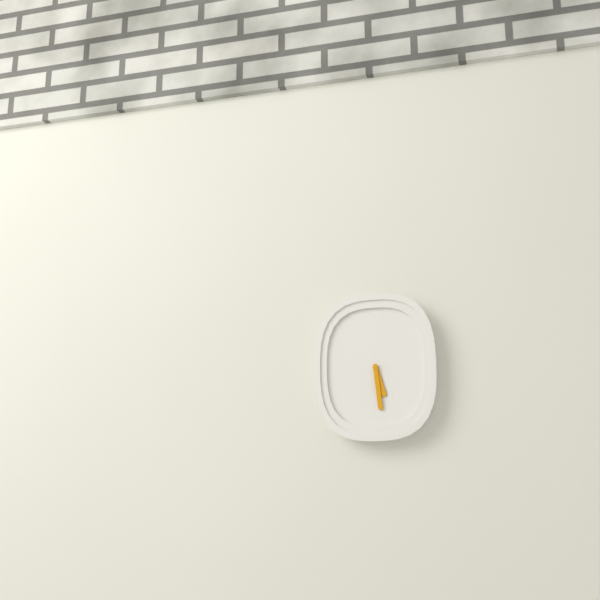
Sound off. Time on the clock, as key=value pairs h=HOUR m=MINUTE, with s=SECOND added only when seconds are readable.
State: h=5 m=29
